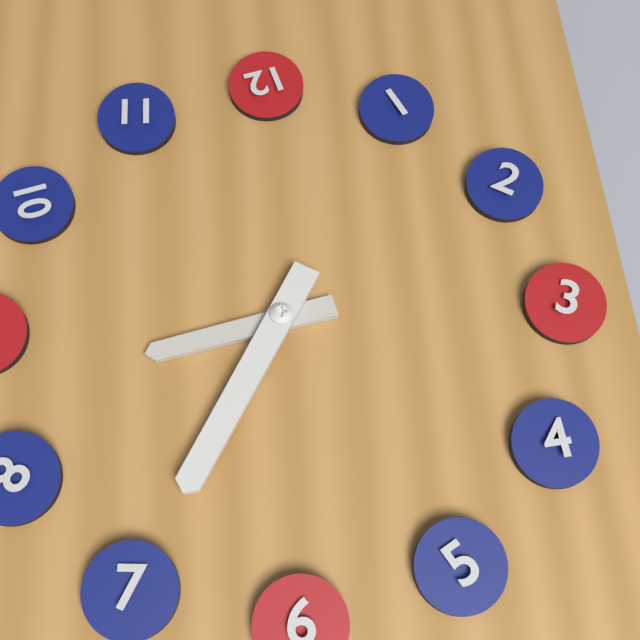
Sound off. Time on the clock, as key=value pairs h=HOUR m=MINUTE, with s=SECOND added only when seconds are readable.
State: h=8 m=35
